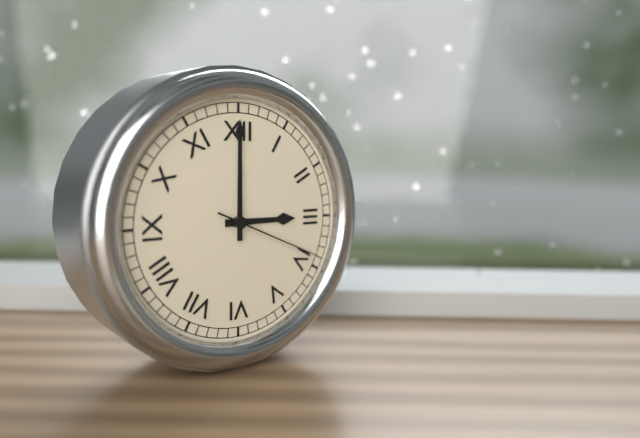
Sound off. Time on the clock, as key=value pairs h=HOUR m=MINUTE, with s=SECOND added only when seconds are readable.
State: h=3 m=0 s=19
